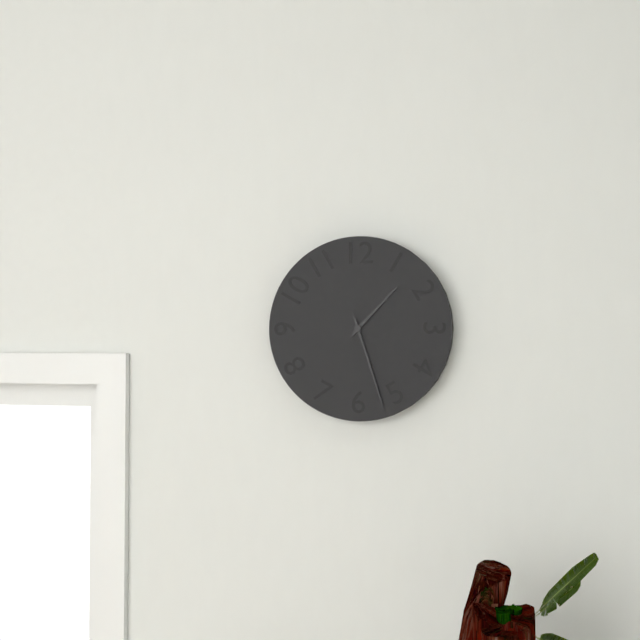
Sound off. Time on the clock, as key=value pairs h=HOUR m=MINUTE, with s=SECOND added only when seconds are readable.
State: h=1 m=27
